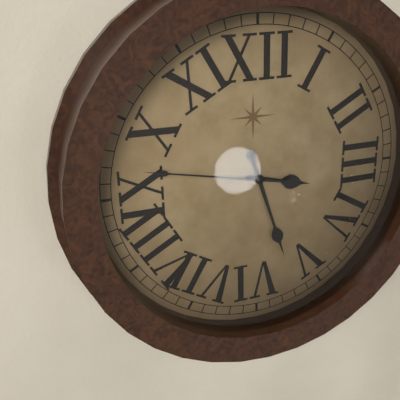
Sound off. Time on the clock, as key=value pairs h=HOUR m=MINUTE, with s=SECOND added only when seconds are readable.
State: h=3 m=27 s=47
